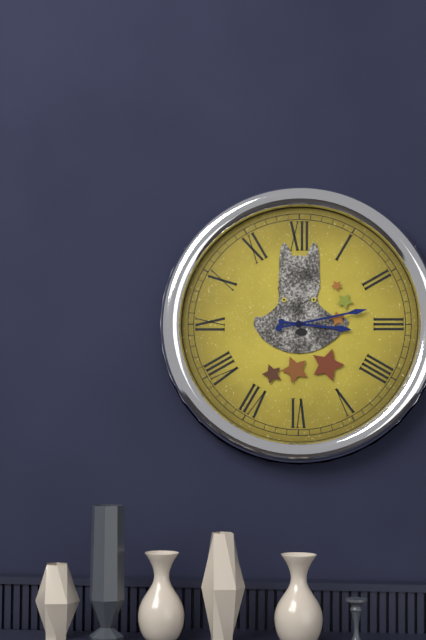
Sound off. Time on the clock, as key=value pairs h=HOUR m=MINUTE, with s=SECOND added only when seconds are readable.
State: h=3 m=13
